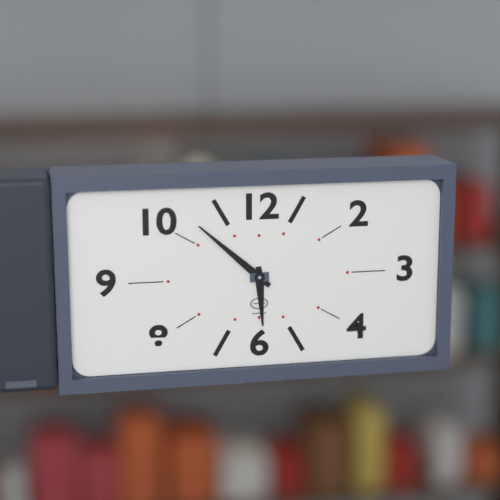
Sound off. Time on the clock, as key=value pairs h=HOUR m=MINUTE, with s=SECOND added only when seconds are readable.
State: h=5 m=52
